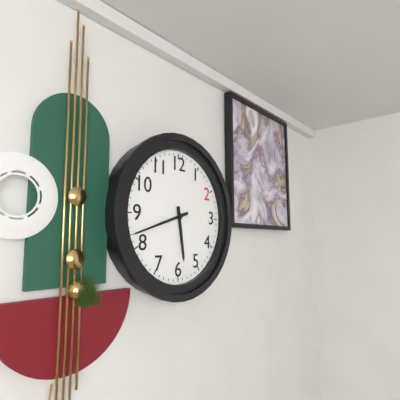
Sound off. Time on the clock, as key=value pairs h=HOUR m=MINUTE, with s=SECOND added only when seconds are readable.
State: h=5 m=42
